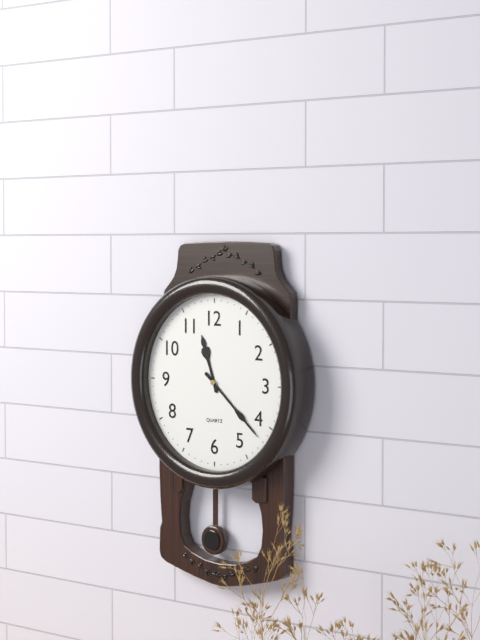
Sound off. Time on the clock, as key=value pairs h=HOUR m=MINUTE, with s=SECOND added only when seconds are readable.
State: h=11 m=22
